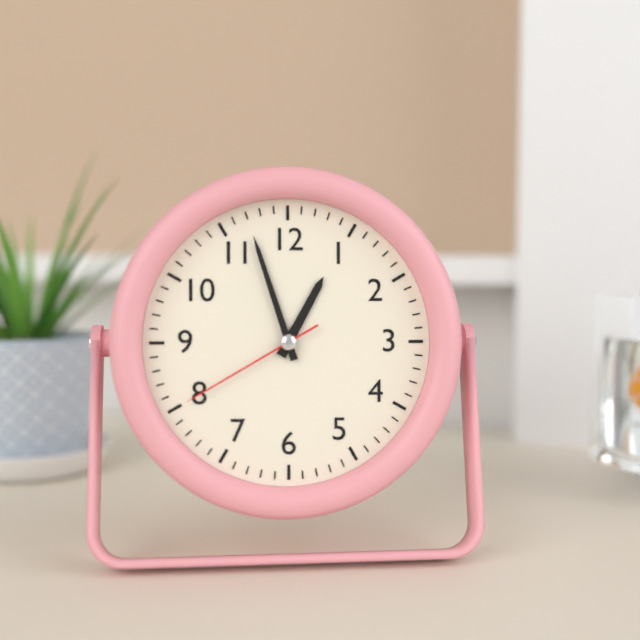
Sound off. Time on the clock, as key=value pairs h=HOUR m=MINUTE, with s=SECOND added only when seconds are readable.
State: h=12 m=57 s=40
